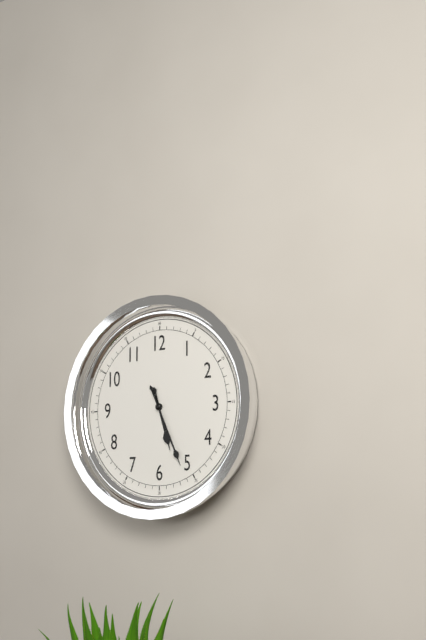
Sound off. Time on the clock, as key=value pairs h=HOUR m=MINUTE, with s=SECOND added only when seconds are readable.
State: h=5 m=26
